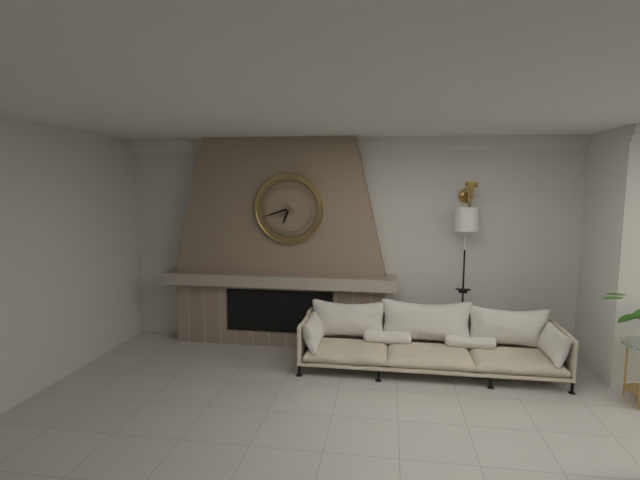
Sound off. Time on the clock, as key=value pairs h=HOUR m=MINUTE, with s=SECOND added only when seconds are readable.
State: h=6 m=42
